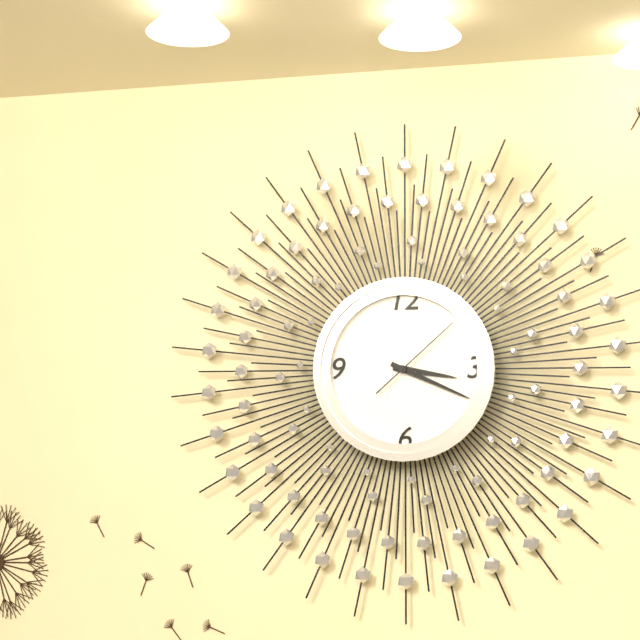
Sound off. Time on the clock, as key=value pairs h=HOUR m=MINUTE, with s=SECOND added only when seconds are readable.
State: h=3 m=19 s=8
